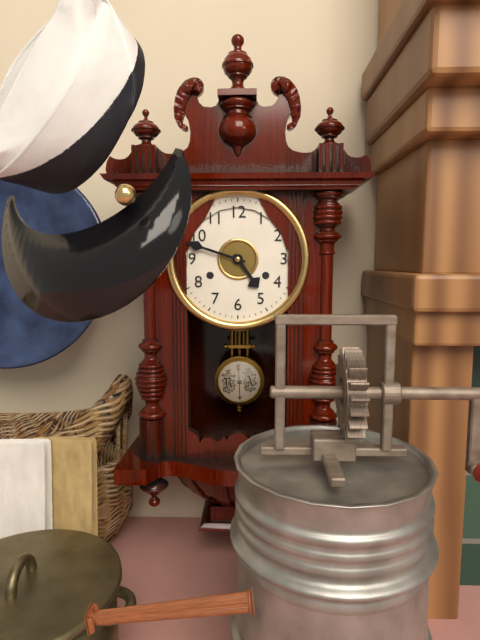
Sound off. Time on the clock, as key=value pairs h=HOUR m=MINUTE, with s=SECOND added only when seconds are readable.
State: h=4 m=48
